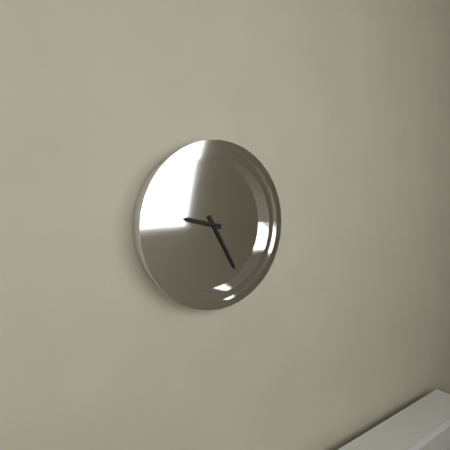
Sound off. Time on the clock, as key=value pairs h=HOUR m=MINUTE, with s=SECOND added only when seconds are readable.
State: h=9 m=25
